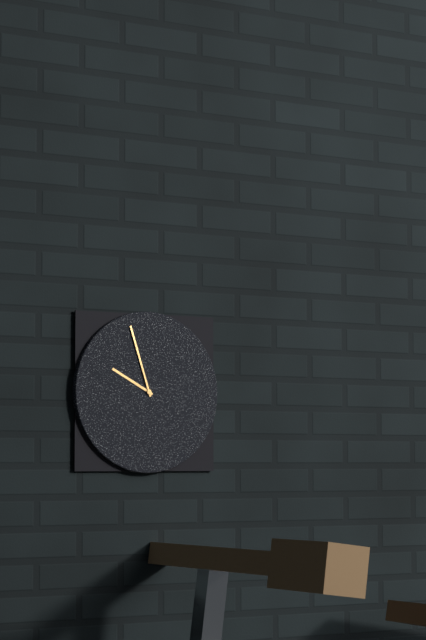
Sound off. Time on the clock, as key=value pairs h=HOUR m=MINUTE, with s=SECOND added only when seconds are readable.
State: h=9 m=57
